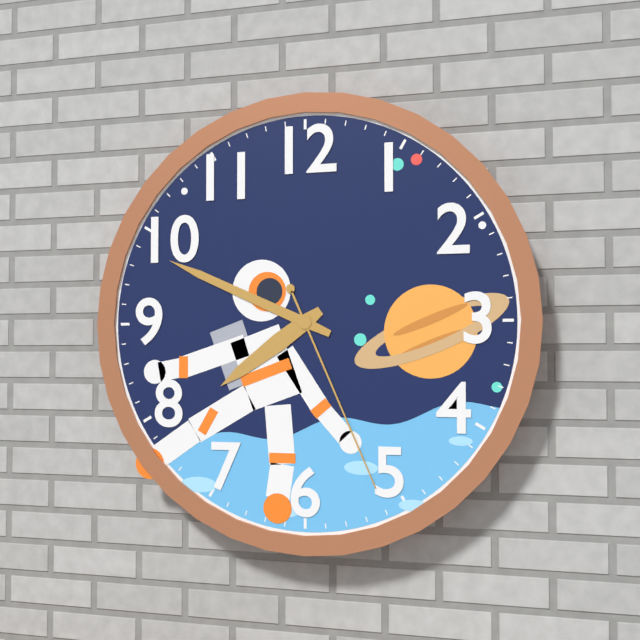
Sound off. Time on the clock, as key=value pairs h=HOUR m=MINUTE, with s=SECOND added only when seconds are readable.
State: h=7 m=49 s=26
